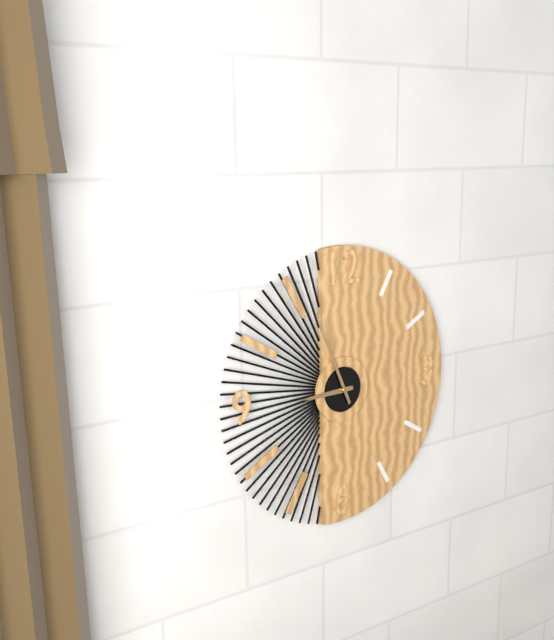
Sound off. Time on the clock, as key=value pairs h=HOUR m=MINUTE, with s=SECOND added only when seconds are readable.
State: h=8 m=56
